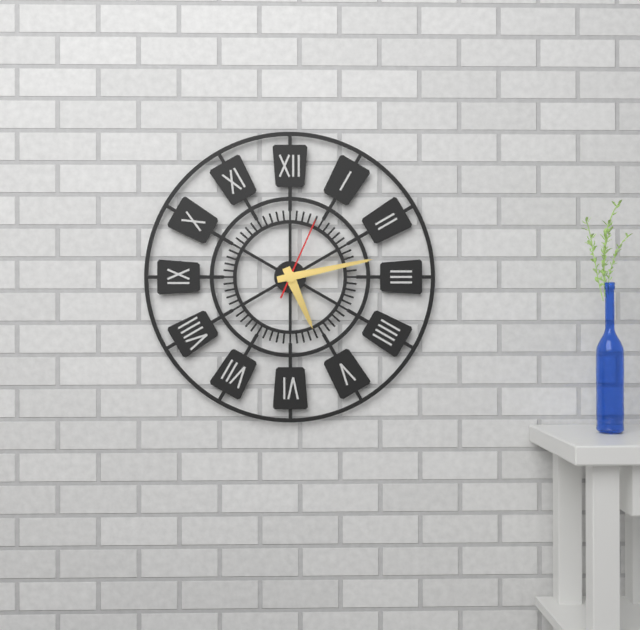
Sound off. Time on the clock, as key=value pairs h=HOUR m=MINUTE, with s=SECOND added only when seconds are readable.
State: h=5 m=13 s=4
